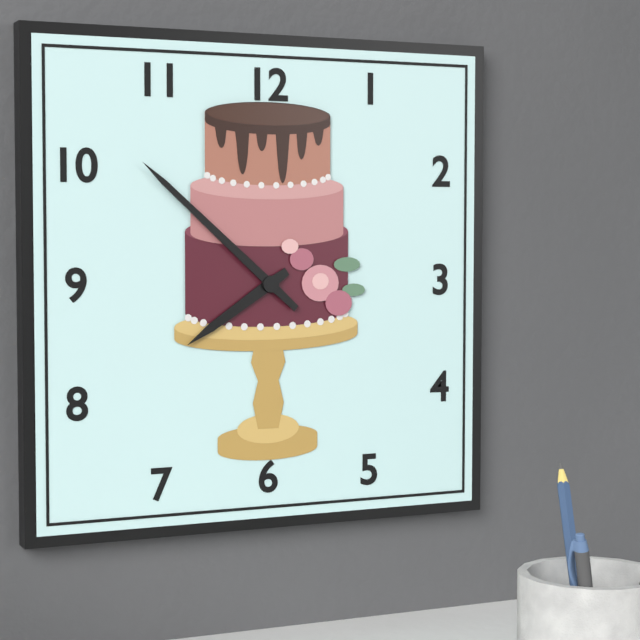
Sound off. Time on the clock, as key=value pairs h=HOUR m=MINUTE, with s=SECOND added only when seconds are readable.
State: h=7 m=52
